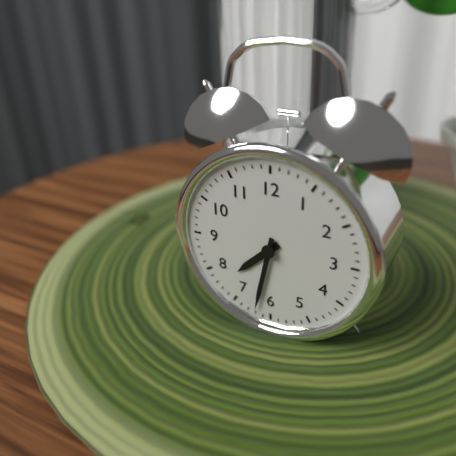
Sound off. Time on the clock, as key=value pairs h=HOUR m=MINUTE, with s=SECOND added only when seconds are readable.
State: h=7 m=32
